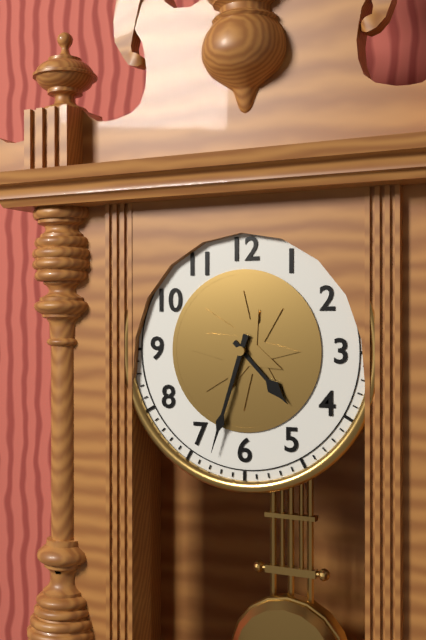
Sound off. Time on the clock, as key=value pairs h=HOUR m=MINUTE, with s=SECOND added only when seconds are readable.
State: h=4 m=33
